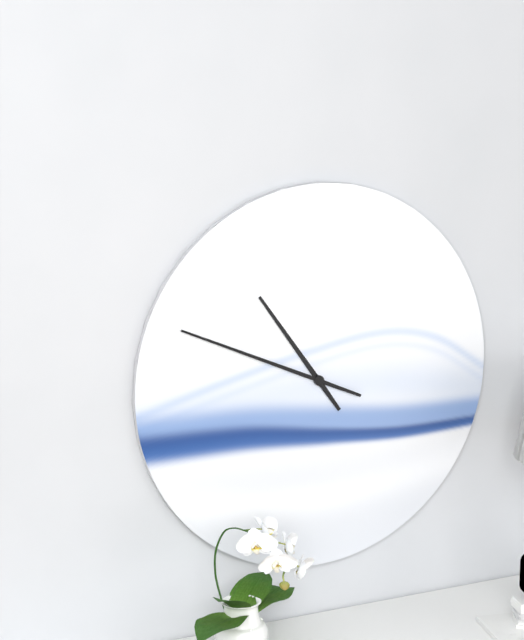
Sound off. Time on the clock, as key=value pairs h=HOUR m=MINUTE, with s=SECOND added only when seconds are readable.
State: h=10 m=49
